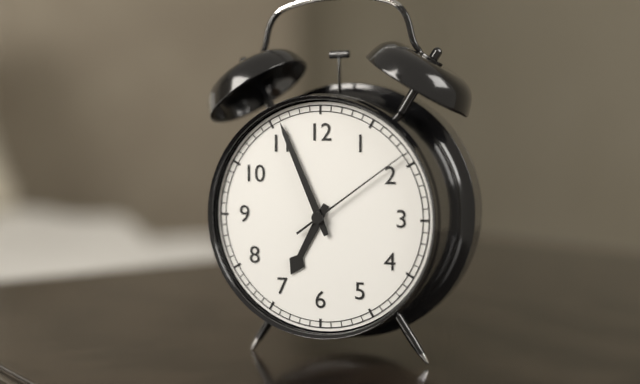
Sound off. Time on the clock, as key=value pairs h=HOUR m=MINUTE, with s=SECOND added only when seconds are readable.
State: h=6 m=56 s=9
